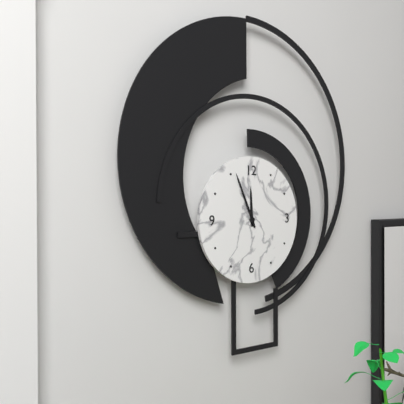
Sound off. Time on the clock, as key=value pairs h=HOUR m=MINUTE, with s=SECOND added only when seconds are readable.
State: h=11 m=56
